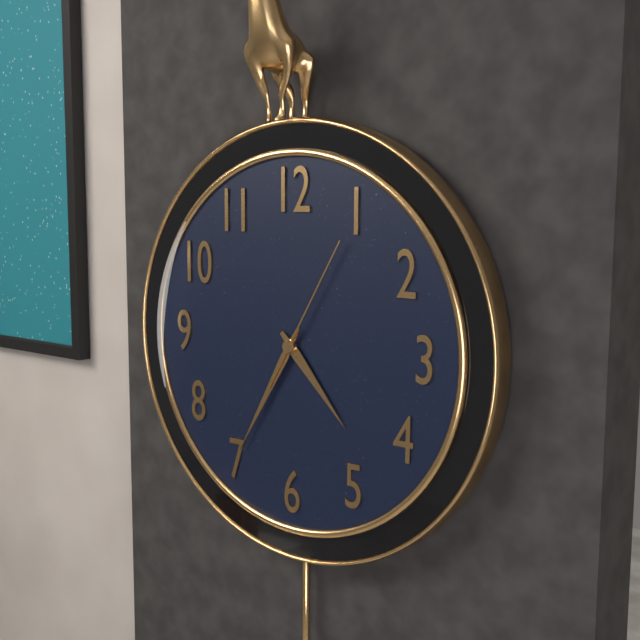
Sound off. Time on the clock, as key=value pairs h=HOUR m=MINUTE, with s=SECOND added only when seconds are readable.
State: h=4 m=35 s=5
